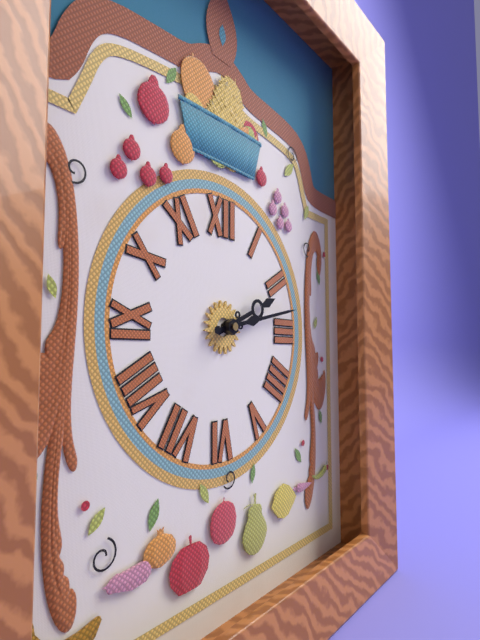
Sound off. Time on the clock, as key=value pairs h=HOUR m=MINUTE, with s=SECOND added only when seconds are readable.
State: h=2 m=13
